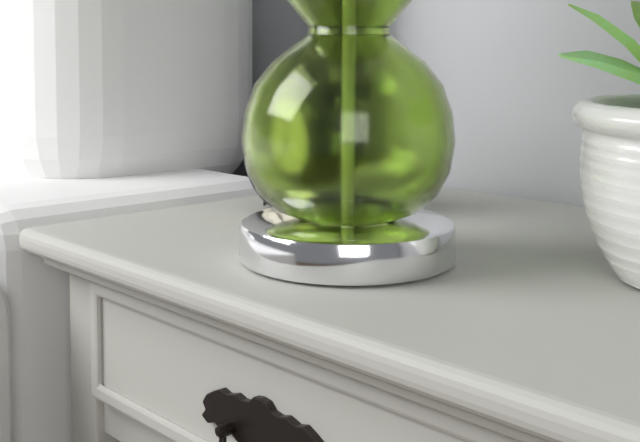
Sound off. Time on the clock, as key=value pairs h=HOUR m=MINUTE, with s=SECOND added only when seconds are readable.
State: h=12 m=33
